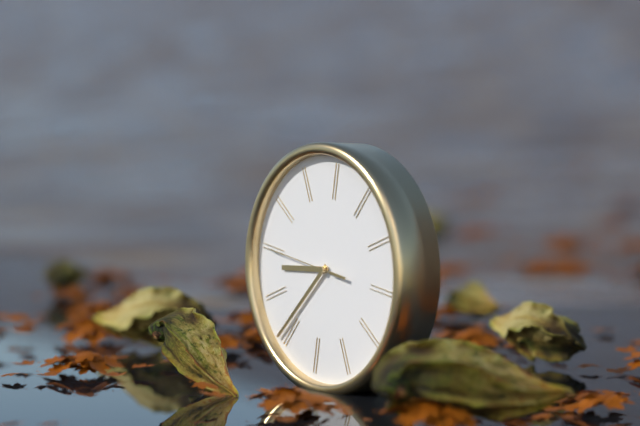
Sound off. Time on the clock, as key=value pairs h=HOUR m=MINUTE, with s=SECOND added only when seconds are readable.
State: h=8 m=36 s=45
